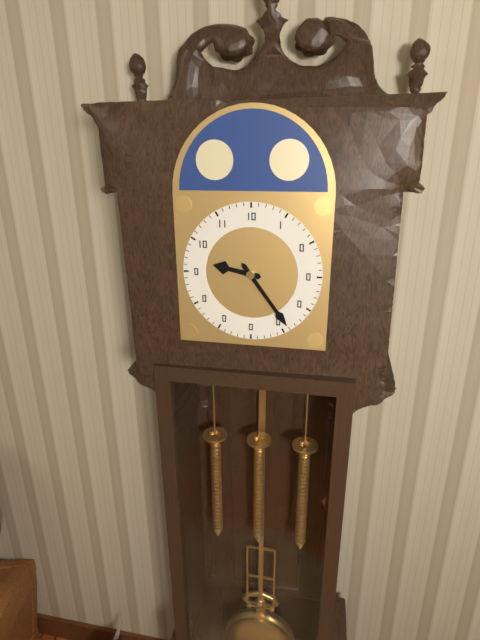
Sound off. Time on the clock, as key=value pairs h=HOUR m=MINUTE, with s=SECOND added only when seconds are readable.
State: h=9 m=24
